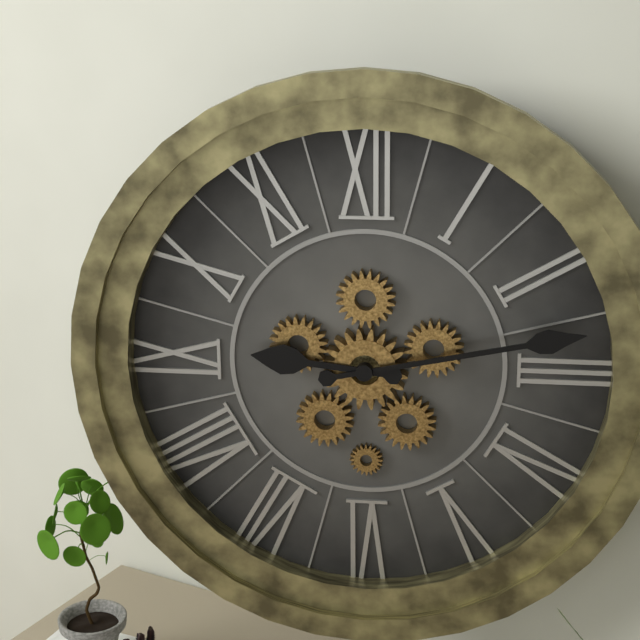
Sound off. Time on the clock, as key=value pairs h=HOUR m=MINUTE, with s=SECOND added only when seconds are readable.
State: h=9 m=13
